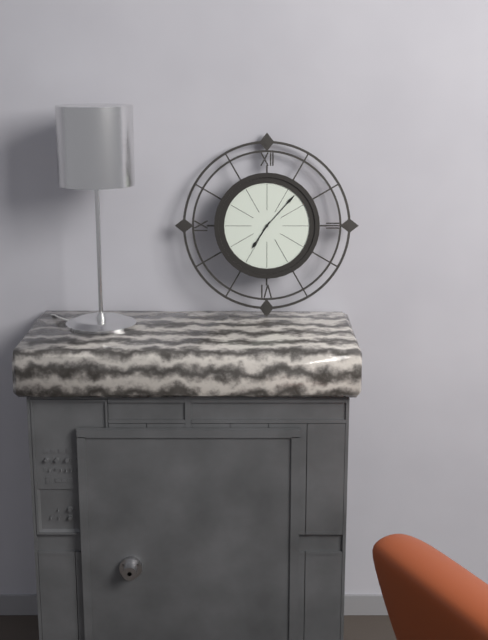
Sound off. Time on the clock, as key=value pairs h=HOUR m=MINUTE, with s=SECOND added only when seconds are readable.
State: h=7 m=7
